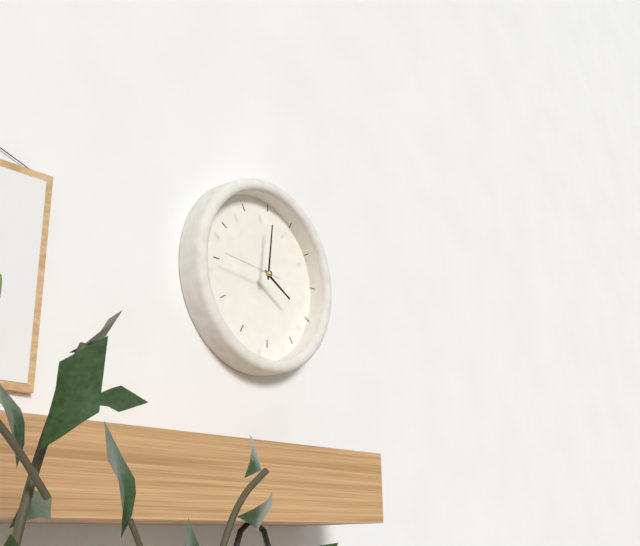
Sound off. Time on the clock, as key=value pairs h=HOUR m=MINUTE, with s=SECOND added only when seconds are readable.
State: h=4 m=1 s=46
